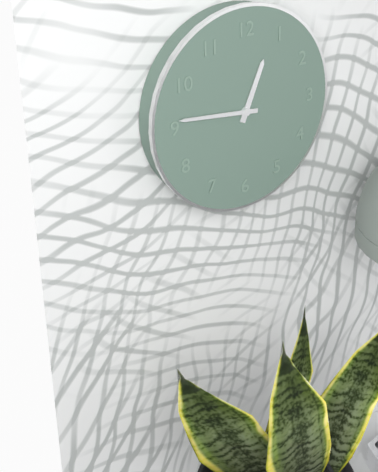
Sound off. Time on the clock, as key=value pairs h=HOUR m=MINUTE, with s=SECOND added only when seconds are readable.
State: h=12 m=46
